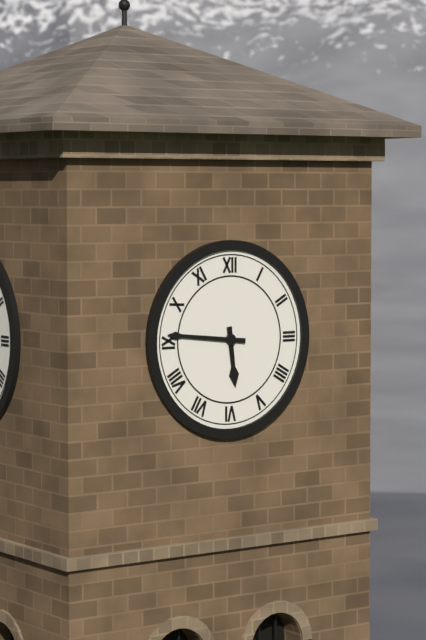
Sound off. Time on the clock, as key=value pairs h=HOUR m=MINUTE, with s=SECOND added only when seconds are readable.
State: h=5 m=46
